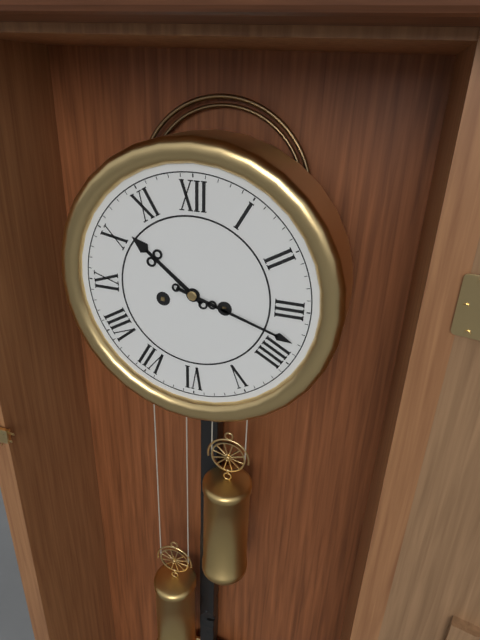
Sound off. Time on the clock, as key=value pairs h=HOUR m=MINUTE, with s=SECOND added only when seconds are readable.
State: h=10 m=18
